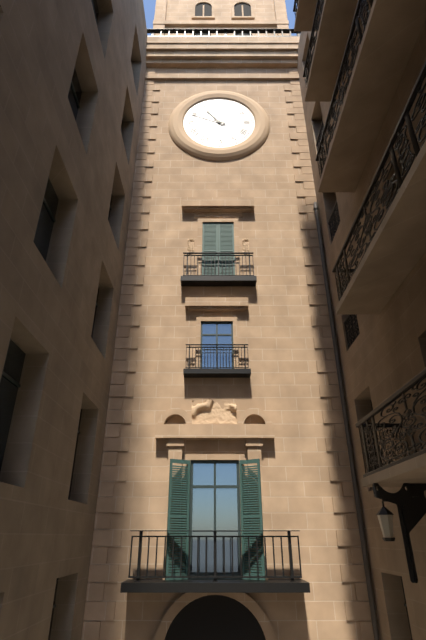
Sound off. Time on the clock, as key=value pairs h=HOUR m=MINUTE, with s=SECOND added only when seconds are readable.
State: h=10 m=49
